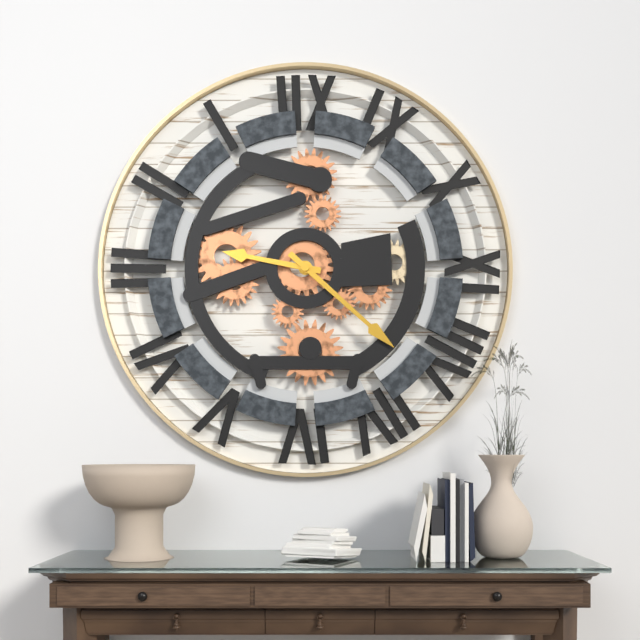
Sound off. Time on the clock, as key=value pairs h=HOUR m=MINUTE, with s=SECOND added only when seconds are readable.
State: h=9 m=22
